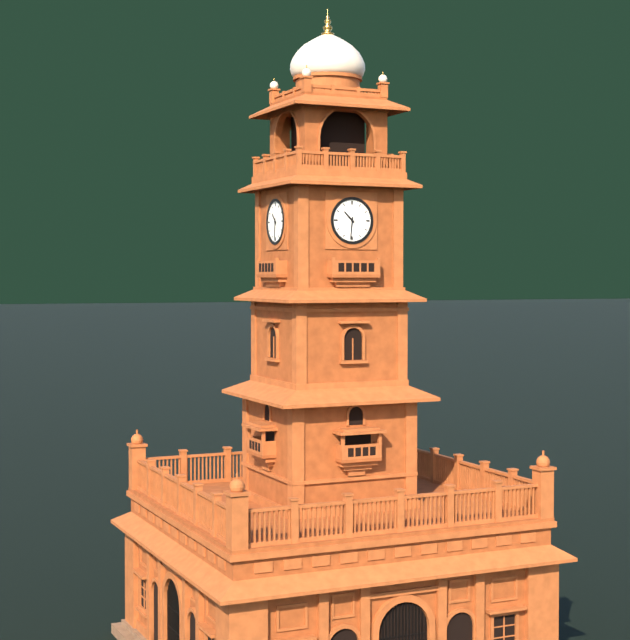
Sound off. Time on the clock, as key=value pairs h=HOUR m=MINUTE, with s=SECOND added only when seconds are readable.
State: h=10 m=31
